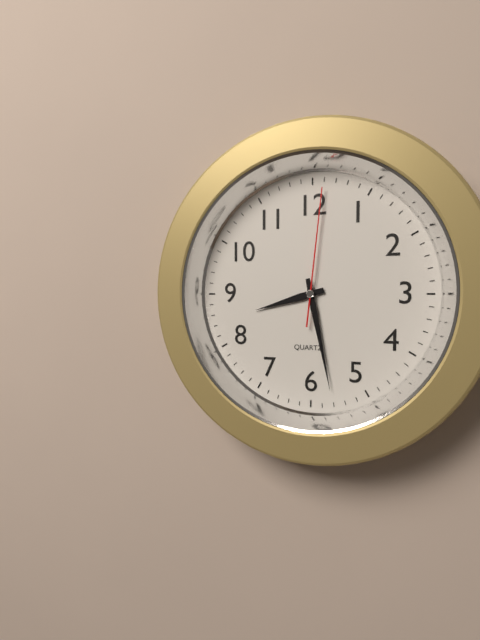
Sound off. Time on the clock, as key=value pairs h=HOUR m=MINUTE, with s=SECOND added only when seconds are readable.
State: h=8 m=28 s=1
